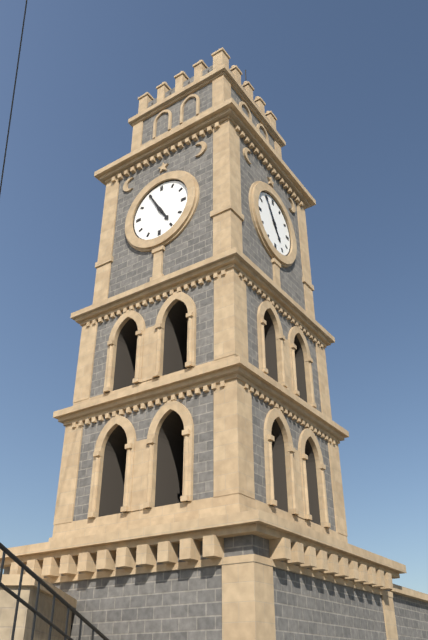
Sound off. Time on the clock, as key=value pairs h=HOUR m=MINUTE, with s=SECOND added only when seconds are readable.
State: h=4 m=55
